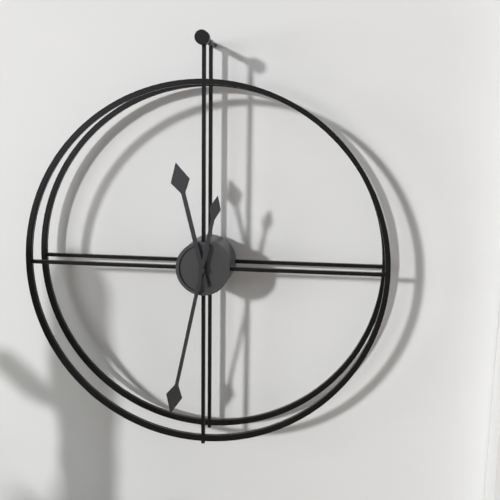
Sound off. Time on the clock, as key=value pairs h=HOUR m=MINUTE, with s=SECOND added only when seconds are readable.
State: h=11 m=32
